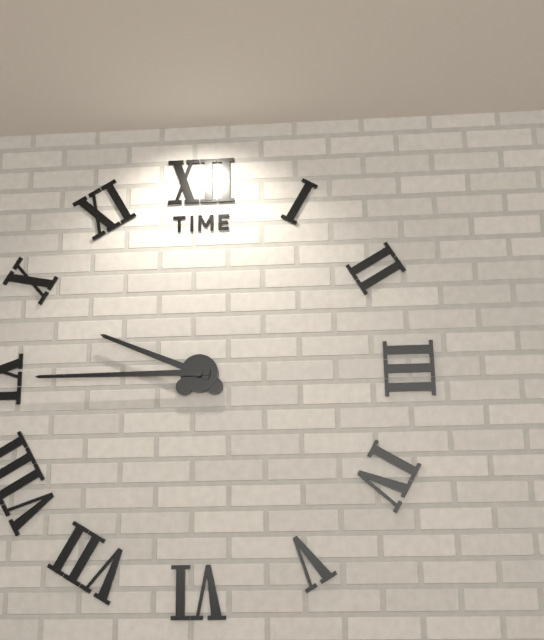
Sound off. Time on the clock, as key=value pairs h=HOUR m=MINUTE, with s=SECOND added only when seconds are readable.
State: h=9 m=45
